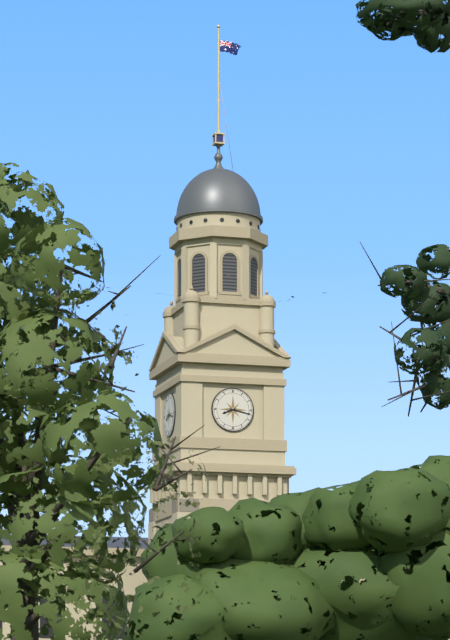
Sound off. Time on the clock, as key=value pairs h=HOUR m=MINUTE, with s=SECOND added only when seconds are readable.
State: h=8 m=17
